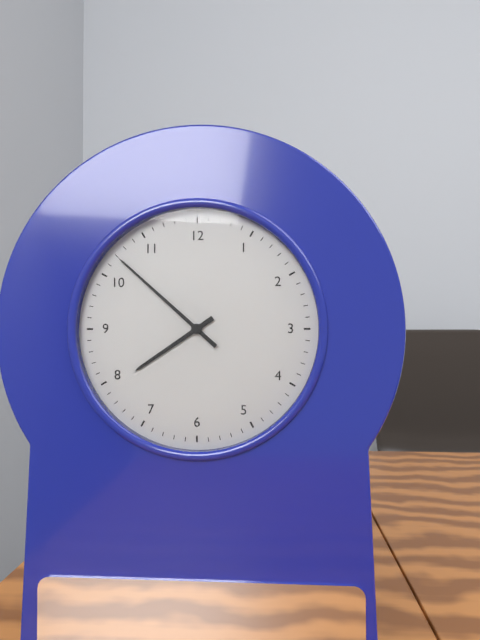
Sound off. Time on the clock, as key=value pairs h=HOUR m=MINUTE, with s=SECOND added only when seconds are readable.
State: h=7 m=52
